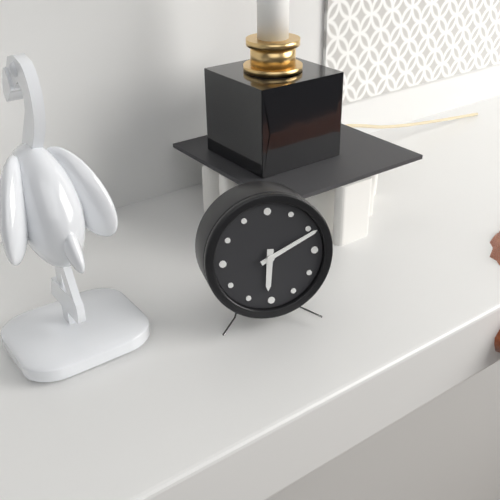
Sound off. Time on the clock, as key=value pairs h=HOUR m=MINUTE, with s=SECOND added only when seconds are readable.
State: h=6 m=11
